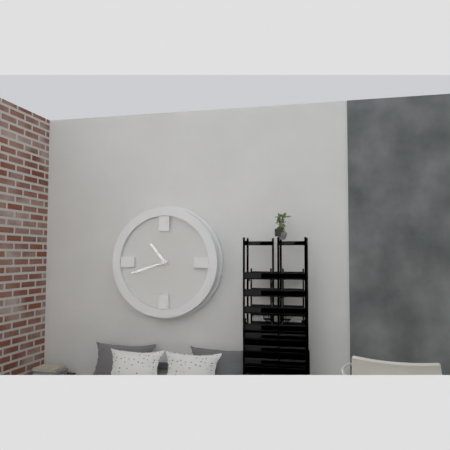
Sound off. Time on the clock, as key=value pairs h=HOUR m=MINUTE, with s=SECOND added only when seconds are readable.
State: h=10 m=42
